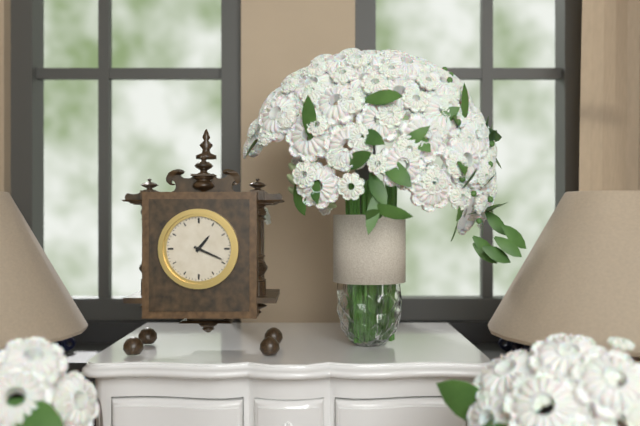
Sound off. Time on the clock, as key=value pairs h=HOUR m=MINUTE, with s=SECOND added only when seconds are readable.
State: h=1 m=19
